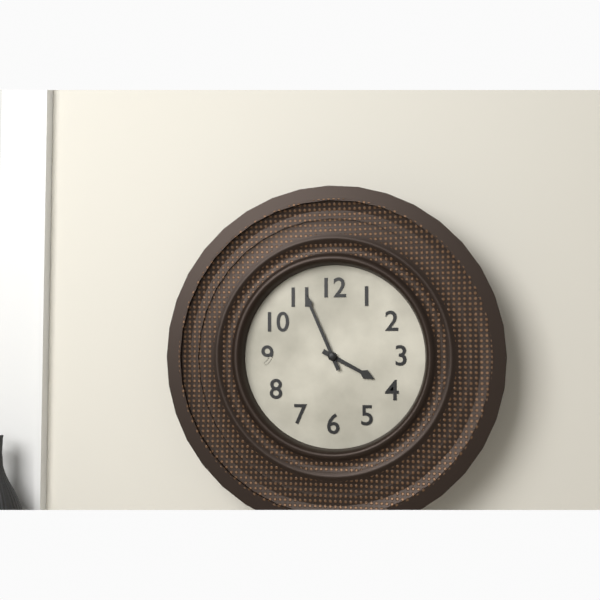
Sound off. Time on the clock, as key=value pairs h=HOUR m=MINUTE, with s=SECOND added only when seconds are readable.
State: h=3 m=56
